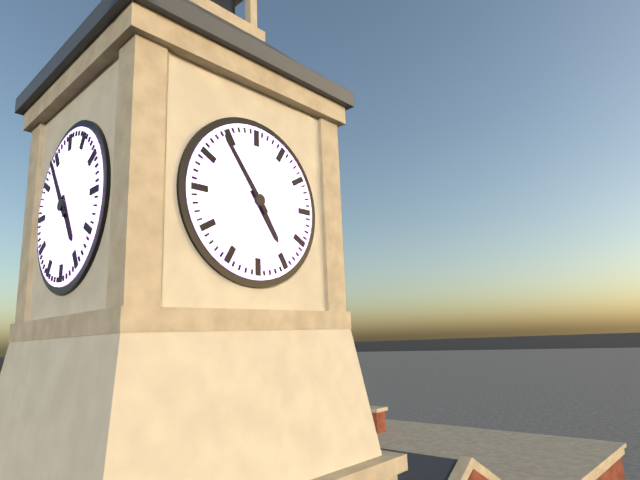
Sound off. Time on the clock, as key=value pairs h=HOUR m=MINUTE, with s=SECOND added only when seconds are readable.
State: h=4 m=54
